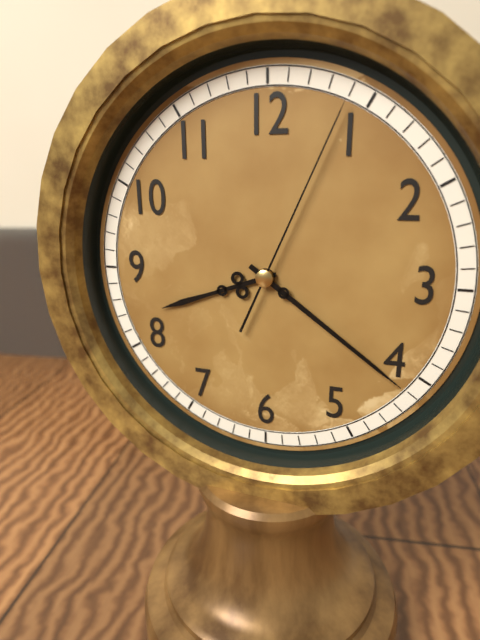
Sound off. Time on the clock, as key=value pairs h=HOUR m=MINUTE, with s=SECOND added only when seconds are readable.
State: h=8 m=21 s=4
